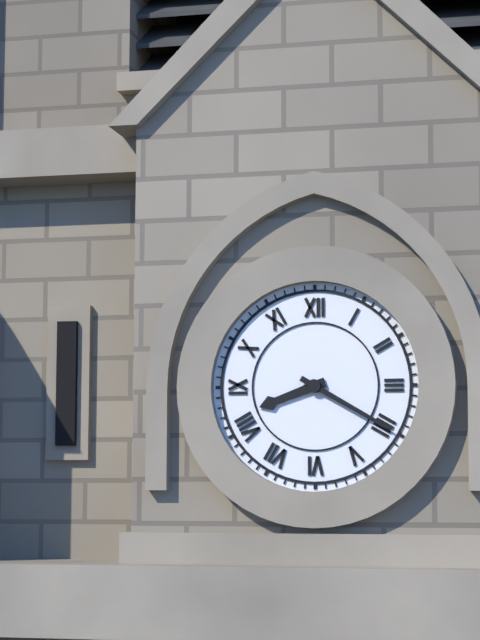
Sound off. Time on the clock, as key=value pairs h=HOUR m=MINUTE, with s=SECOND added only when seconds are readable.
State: h=8 m=20
